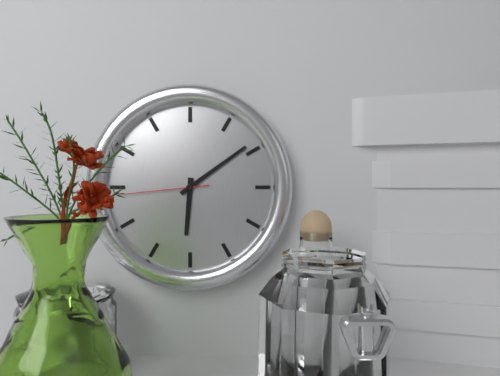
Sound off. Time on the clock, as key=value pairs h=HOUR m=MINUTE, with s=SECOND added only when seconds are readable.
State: h=6 m=9 s=44
